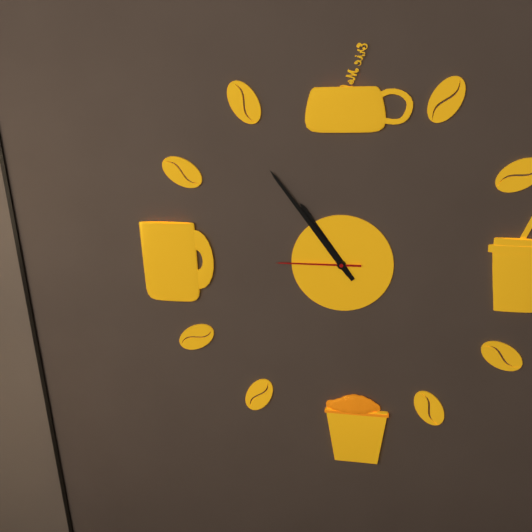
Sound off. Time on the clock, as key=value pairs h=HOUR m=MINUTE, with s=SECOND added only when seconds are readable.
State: h=10 m=54 s=45
